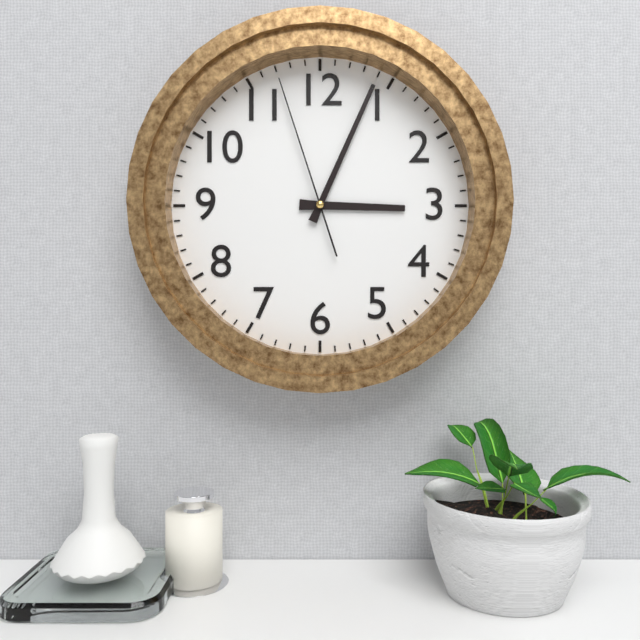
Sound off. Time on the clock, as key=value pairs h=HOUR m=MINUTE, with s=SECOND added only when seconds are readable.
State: h=3 m=4 s=57
